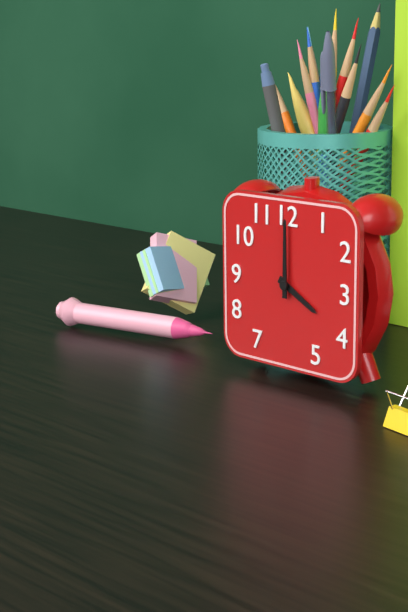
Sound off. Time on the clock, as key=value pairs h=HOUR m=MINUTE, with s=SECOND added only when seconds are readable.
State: h=4 m=0
